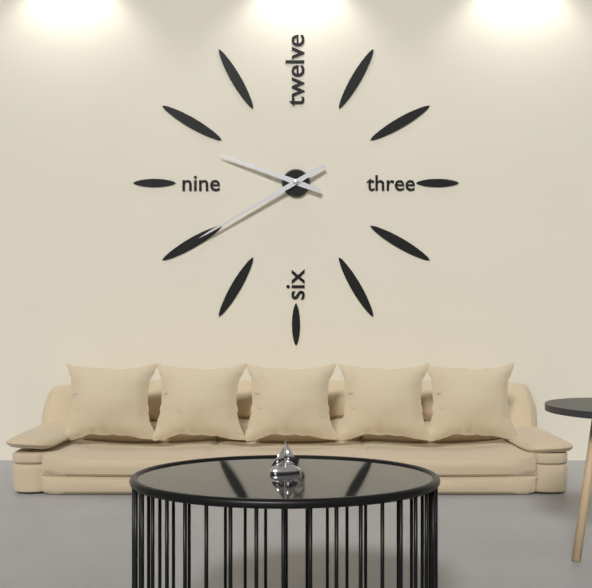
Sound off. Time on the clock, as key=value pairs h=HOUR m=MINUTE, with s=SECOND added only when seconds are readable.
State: h=9 m=40
